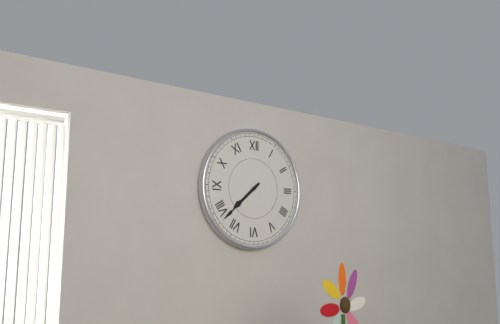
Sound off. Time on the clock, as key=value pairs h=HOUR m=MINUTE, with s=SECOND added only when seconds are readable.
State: h=7 m=38
